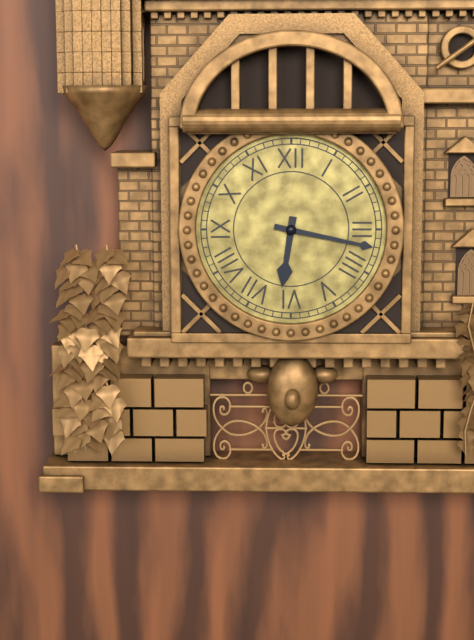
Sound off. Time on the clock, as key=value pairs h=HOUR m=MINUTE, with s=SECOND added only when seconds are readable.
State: h=6 m=17
